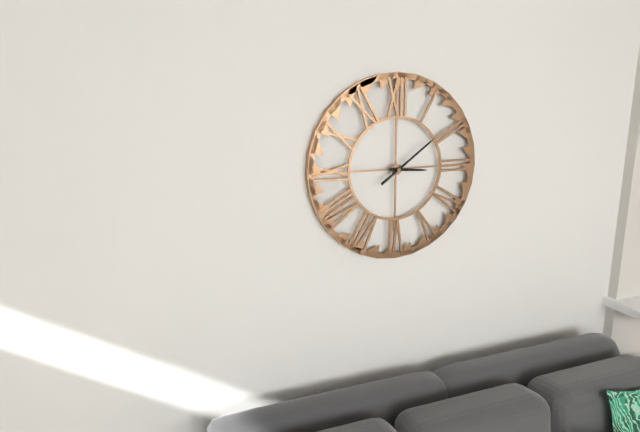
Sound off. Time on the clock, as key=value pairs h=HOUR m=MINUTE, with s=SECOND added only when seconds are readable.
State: h=3 m=9
